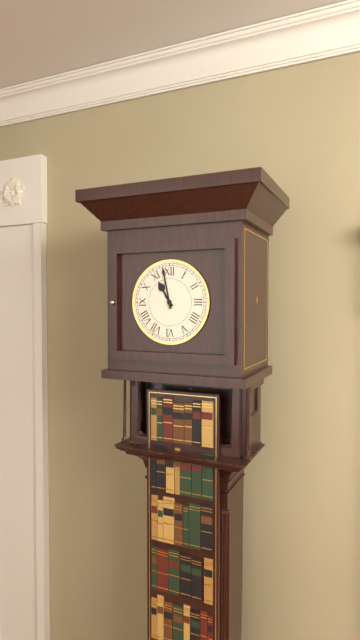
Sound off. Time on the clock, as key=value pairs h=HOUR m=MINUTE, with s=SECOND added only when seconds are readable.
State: h=10 m=58
